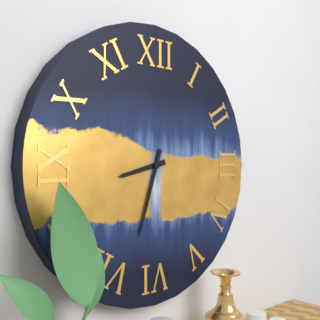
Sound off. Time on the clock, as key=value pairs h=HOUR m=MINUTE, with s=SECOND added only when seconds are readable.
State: h=8 m=33
